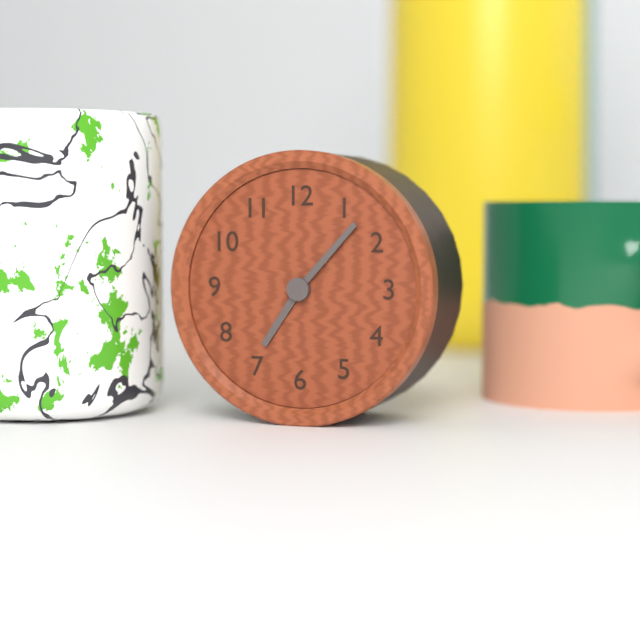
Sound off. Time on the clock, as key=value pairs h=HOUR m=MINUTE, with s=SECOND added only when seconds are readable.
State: h=7 m=7
